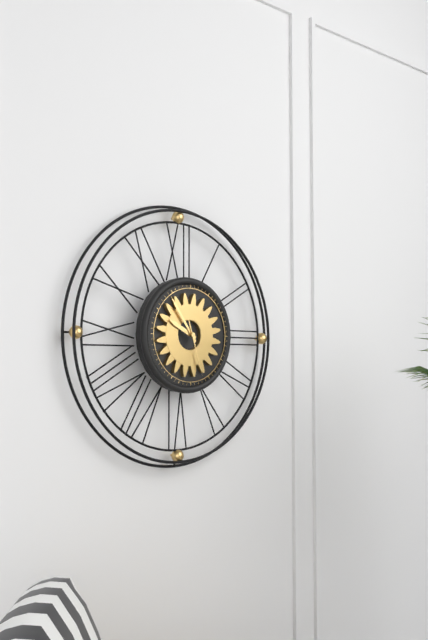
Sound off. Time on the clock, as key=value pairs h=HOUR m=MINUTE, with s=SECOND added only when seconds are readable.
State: h=9 m=54 s=27
